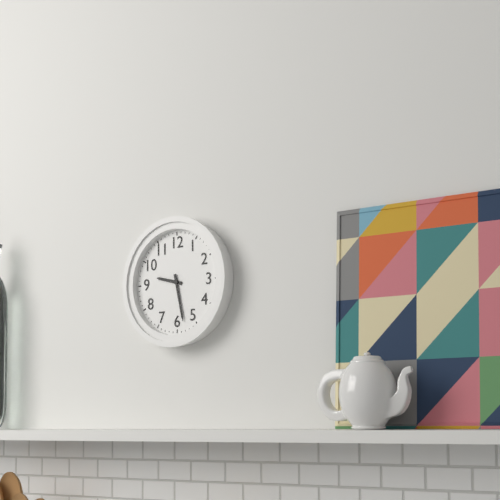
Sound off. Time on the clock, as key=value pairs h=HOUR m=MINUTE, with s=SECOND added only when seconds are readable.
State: h=9 m=28
